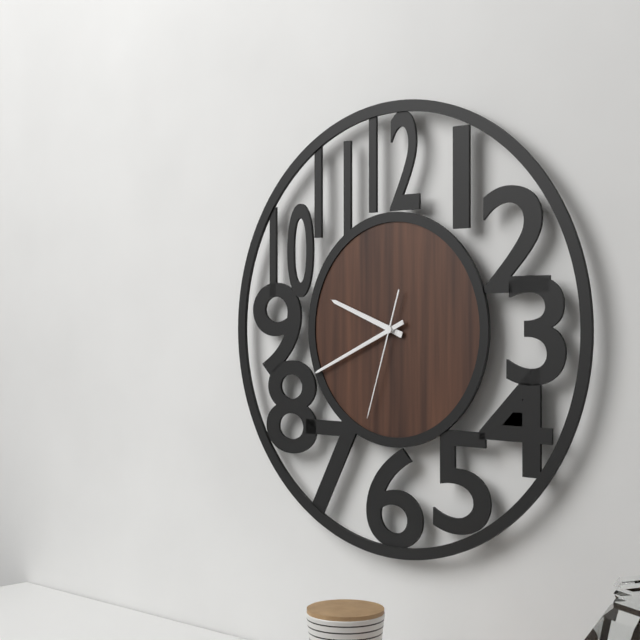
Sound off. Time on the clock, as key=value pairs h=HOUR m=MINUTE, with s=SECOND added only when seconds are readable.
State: h=9 m=41 s=33
